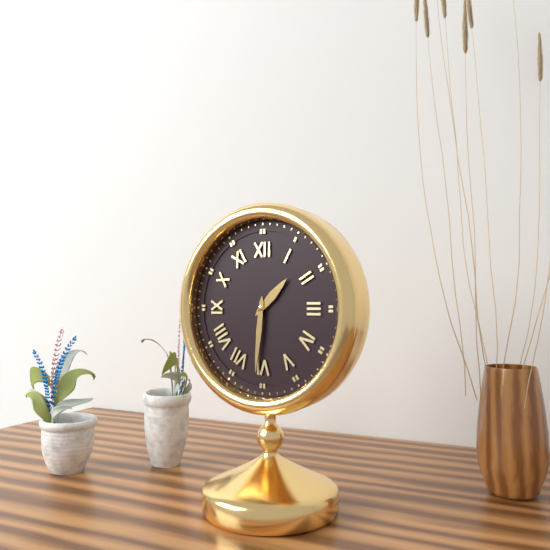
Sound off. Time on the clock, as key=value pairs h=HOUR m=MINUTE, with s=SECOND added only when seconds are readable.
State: h=1 m=31
